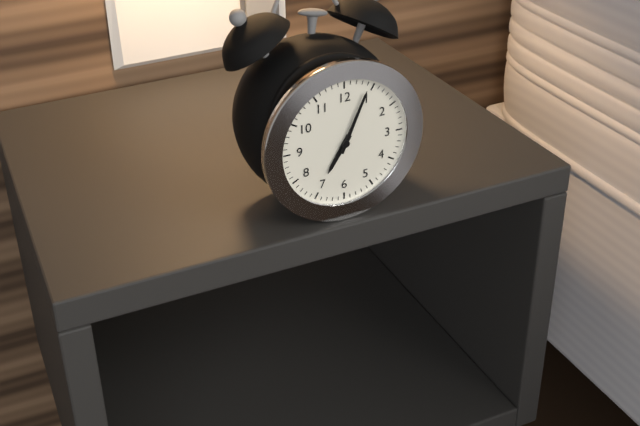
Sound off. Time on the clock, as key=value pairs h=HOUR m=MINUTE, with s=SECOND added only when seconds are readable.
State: h=7 m=4
